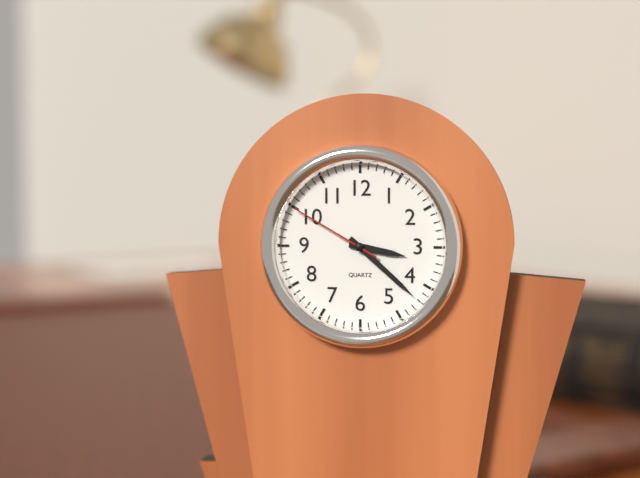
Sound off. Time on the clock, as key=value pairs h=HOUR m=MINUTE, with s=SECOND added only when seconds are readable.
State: h=3 m=22 s=50
